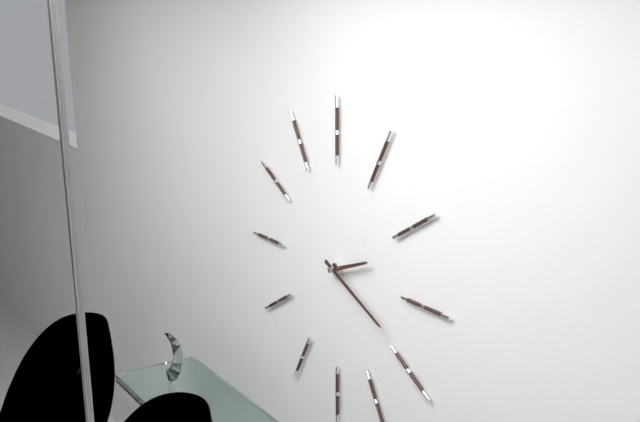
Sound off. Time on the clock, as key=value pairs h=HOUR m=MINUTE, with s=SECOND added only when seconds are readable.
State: h=2 m=19
